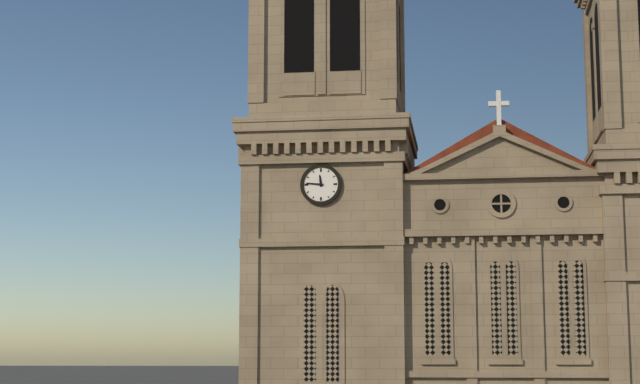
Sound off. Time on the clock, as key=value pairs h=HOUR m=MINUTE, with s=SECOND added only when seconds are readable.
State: h=11 m=46
